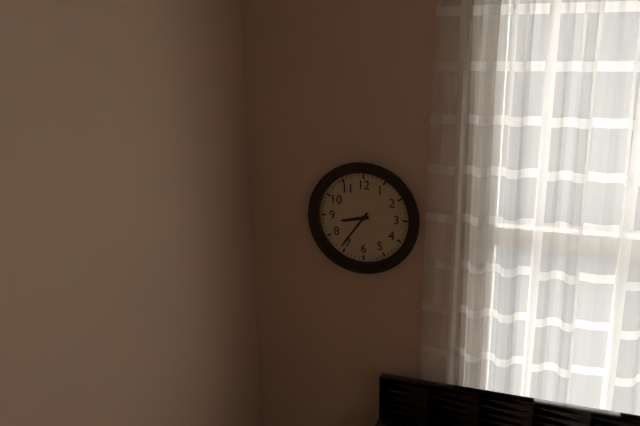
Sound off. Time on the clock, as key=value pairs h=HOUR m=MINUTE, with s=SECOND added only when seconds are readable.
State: h=8 m=36
